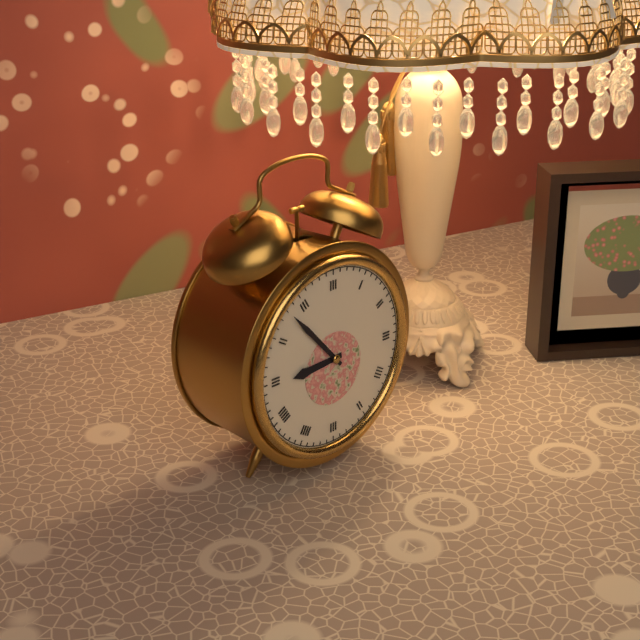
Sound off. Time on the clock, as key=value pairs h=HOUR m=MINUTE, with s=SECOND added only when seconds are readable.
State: h=8 m=53
